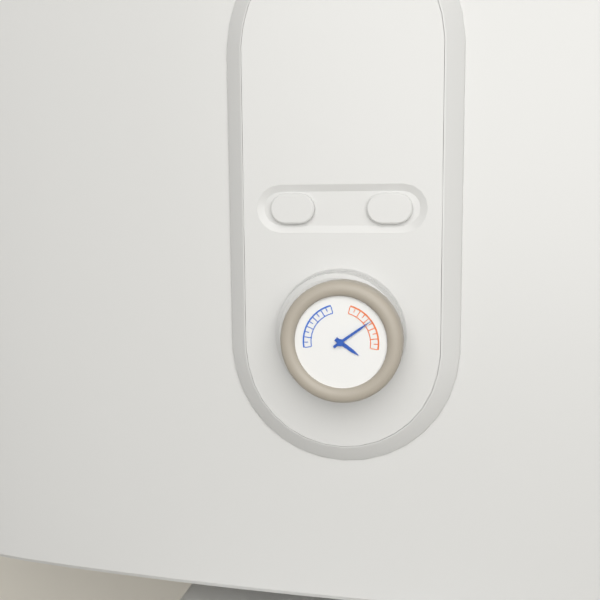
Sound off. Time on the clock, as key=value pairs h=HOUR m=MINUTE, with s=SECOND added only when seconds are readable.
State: h=4 m=9
